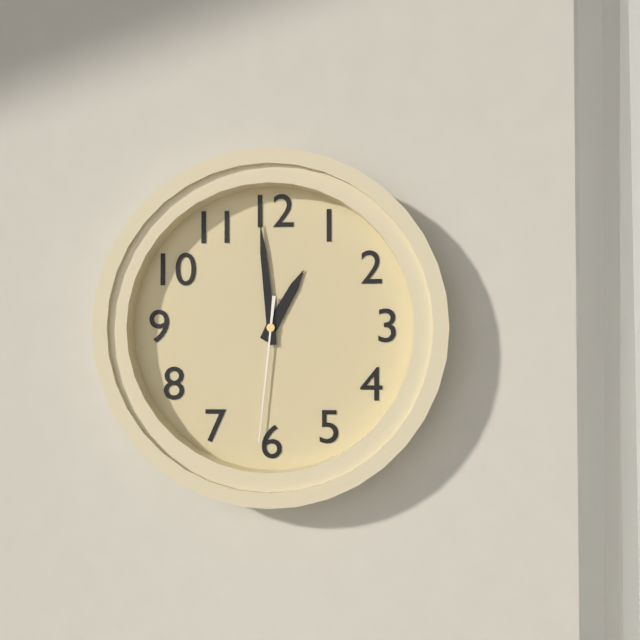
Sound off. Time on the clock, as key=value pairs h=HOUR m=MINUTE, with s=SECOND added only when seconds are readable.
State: h=12 m=59 s=31
